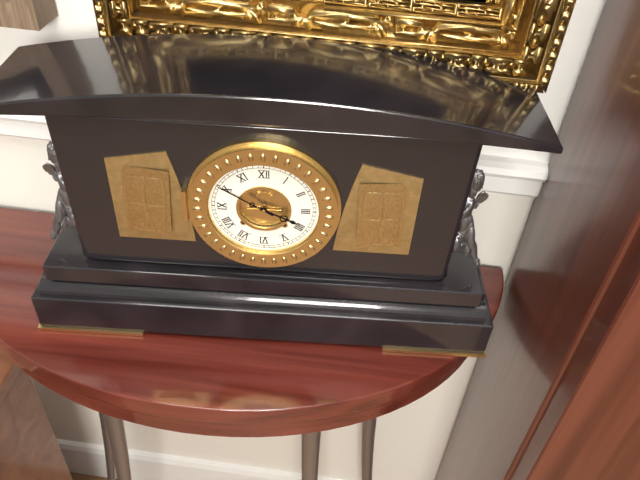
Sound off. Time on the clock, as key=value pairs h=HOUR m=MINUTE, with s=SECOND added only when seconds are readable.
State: h=3 m=50
